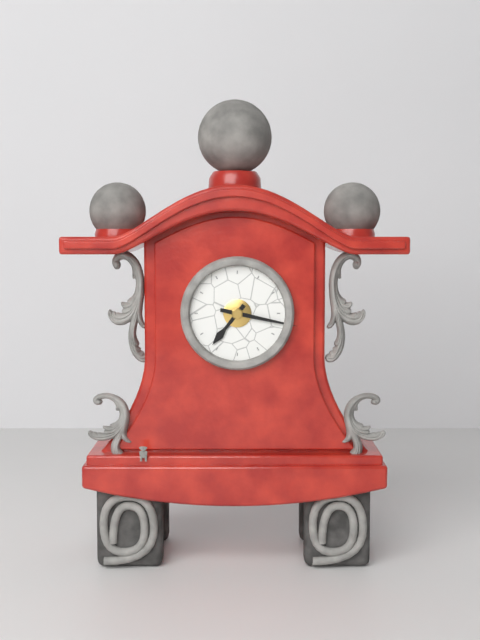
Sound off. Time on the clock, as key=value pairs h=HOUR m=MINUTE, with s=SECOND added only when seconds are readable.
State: h=7 m=17
